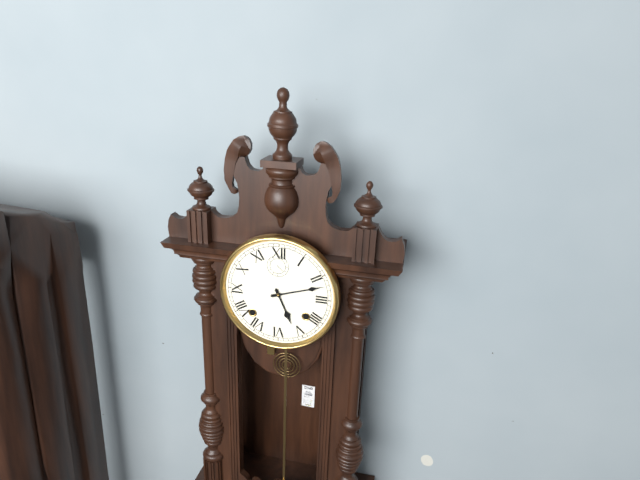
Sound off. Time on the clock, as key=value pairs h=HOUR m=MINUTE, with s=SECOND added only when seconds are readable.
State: h=5 m=12
